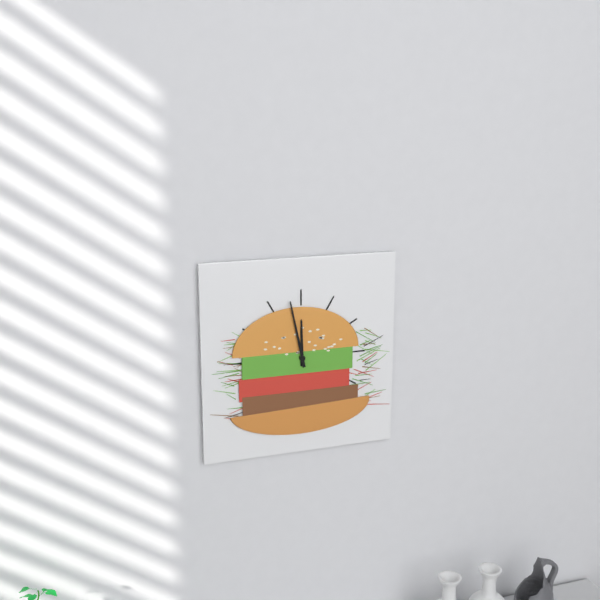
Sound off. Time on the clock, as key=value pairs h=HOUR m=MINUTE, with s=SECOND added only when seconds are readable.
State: h=11 m=58
